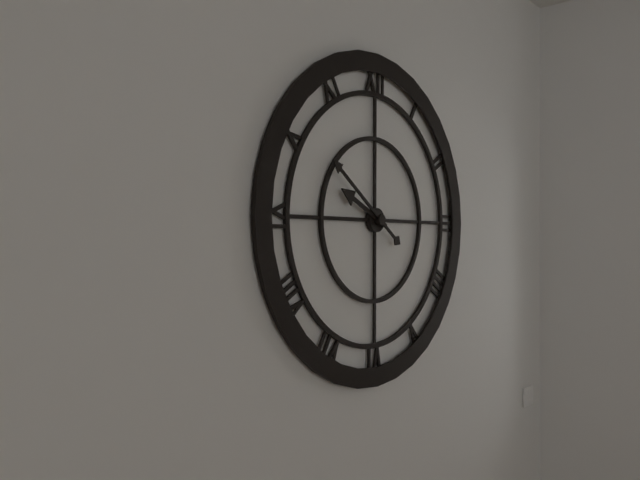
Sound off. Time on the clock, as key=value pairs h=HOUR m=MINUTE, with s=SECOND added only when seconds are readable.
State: h=9 m=51
